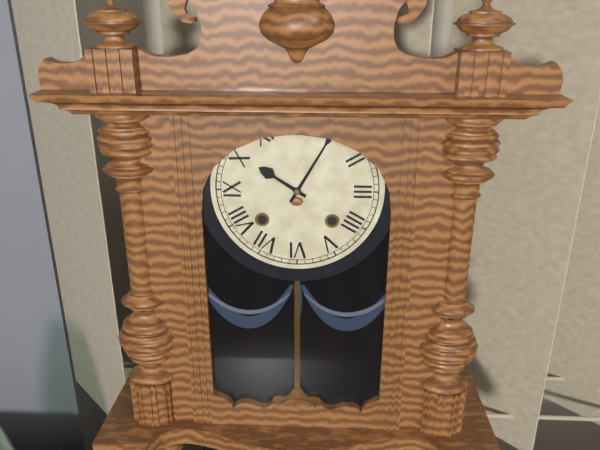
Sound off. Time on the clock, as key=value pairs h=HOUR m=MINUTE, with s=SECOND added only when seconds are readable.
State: h=10 m=5
